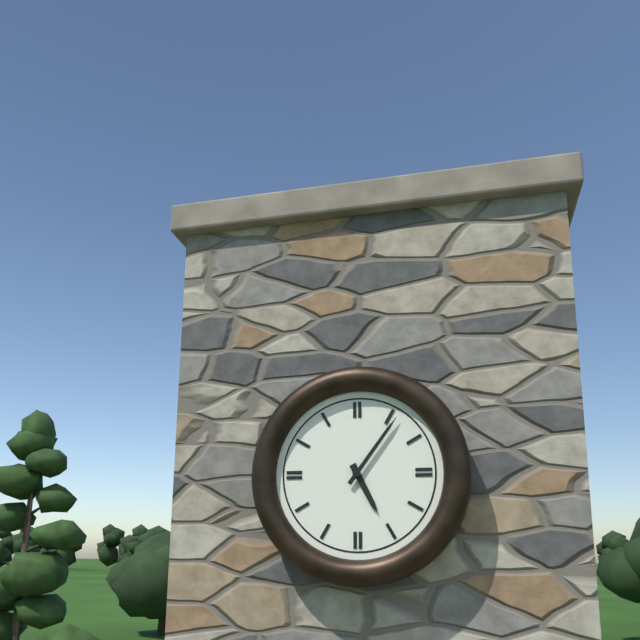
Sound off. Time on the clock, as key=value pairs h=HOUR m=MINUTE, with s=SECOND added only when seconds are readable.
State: h=5 m=6
